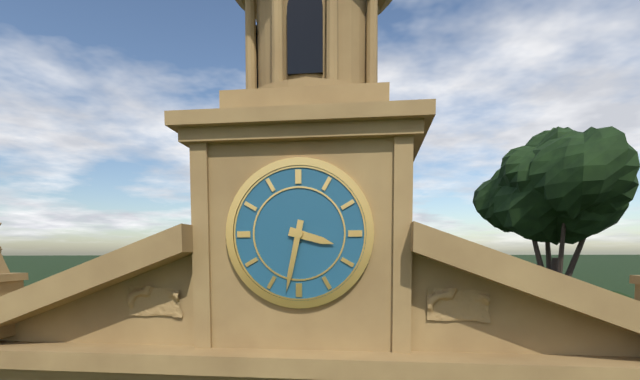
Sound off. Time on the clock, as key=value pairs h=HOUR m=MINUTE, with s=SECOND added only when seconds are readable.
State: h=3 m=32
